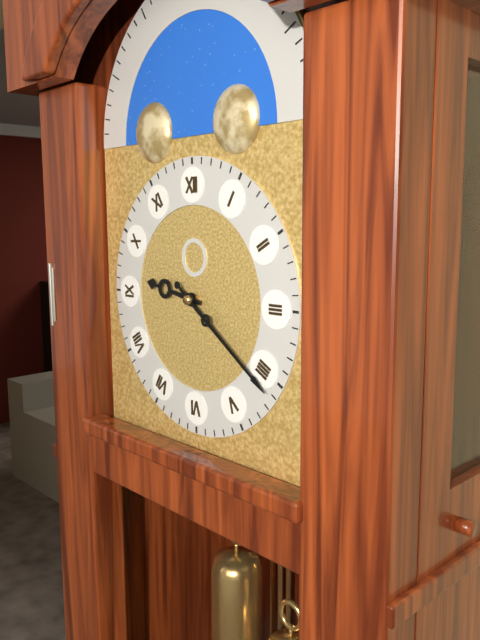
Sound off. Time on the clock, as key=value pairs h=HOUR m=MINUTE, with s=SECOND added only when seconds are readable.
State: h=9 m=21
